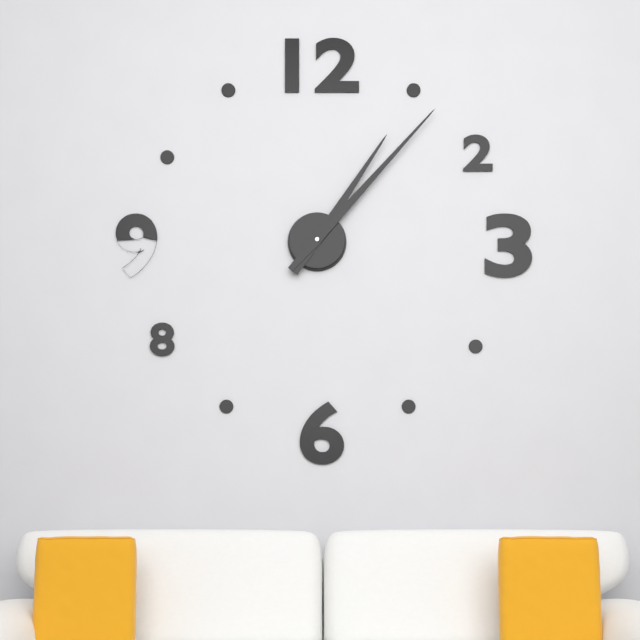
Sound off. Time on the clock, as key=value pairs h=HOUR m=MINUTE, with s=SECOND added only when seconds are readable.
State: h=1 m=7
